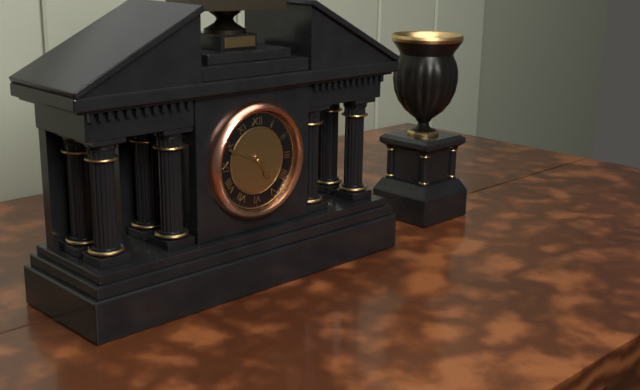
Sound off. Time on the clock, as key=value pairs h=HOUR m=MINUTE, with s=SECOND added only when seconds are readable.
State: h=4 m=49
